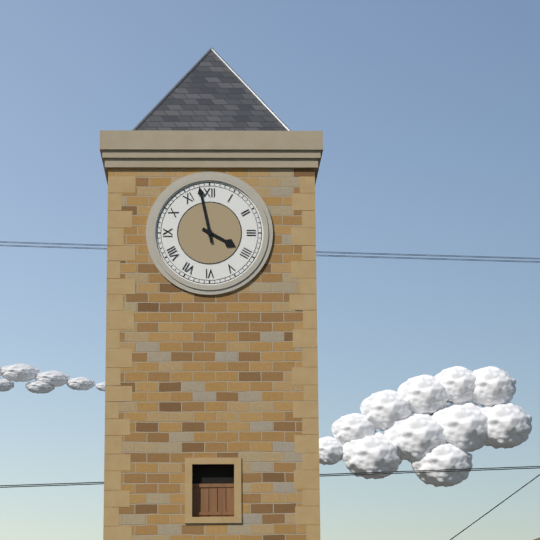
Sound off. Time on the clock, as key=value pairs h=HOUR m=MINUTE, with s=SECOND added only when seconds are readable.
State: h=3 m=58
